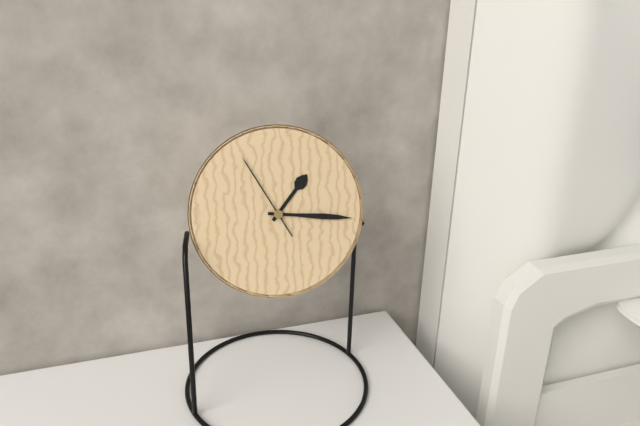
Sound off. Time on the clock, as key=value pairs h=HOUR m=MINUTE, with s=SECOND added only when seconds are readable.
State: h=1 m=16 s=55
